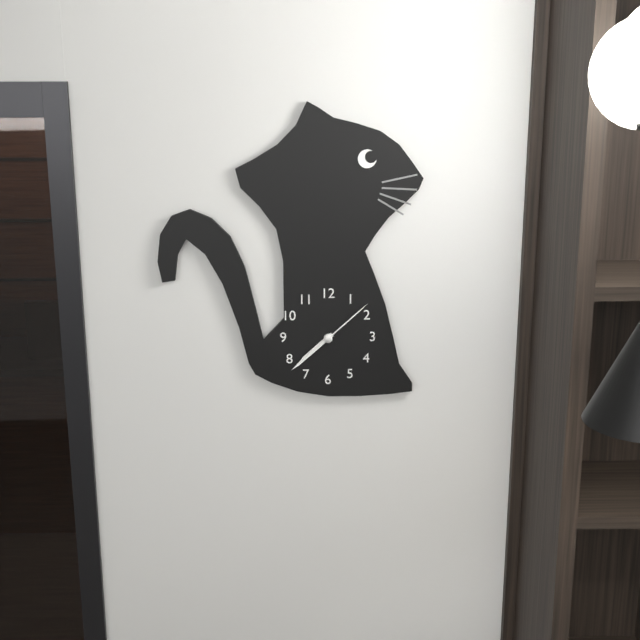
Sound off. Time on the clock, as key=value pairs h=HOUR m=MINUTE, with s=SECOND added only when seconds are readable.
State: h=7 m=38 s=8
